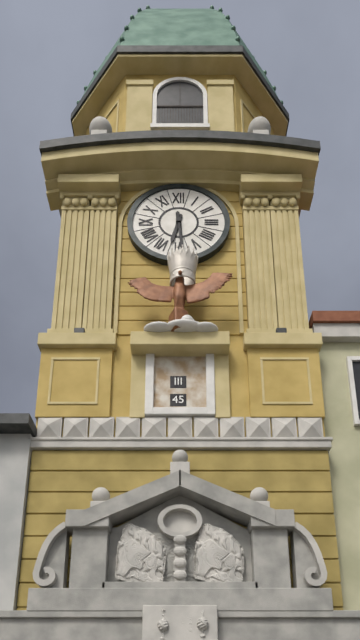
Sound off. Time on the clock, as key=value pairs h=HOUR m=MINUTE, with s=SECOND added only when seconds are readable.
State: h=6 m=29
